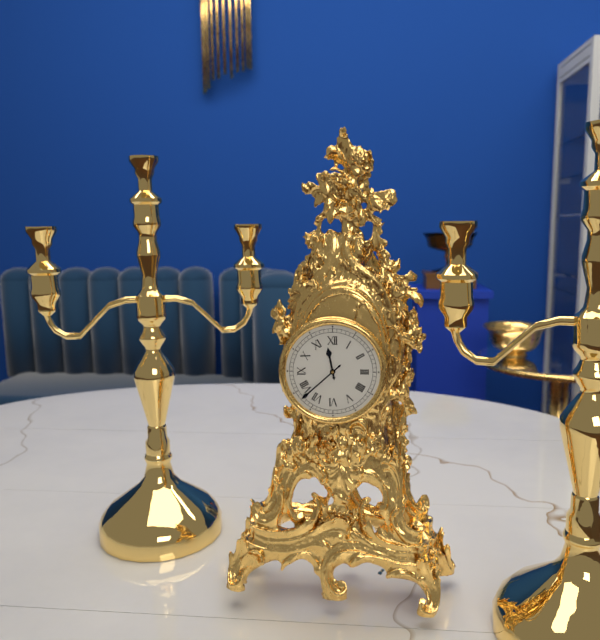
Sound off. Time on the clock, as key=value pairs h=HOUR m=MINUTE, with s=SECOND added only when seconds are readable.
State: h=11 m=38
